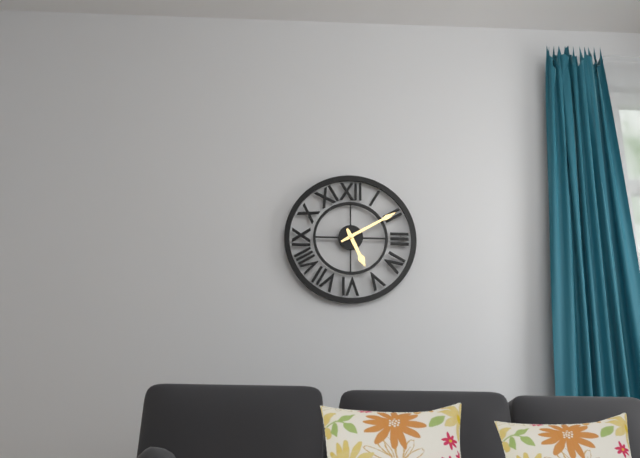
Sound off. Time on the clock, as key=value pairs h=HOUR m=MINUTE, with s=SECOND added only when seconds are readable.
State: h=5 m=10
